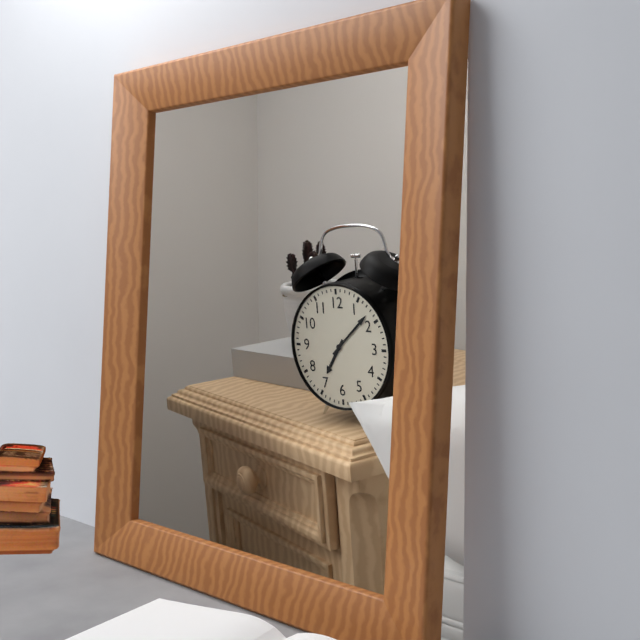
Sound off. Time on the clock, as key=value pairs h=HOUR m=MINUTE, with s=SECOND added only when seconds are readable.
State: h=7 m=8
